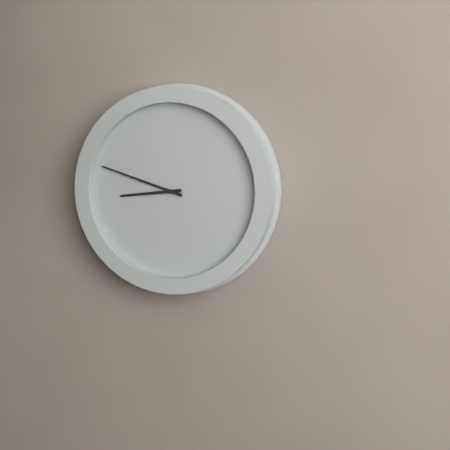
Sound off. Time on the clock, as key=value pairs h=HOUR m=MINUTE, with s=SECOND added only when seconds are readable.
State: h=8 m=48
